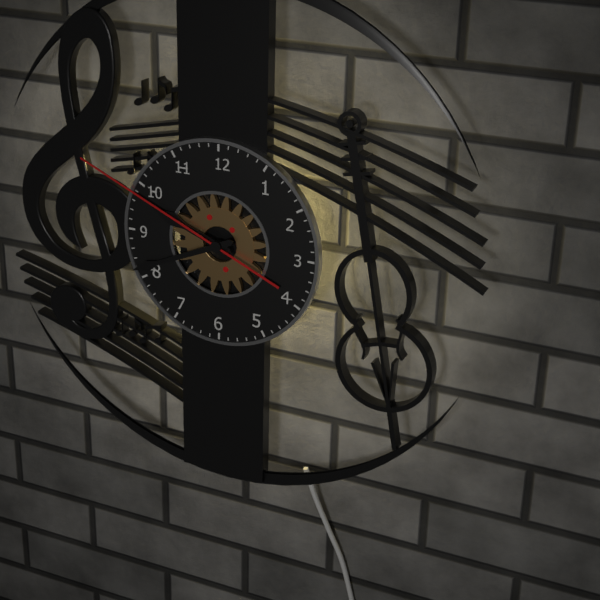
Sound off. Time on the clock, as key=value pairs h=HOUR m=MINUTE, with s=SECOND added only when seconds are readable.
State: h=9 m=41 s=49
